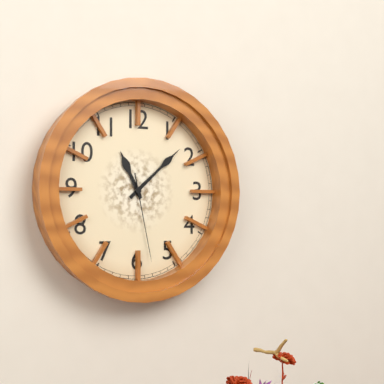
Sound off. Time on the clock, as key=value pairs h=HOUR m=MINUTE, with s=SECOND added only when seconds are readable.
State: h=11 m=8 s=28
